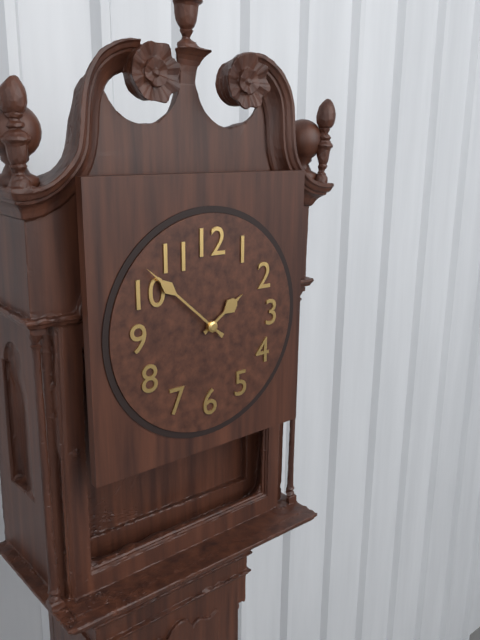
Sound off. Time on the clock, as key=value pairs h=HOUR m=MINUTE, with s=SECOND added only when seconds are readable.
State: h=1 m=52
